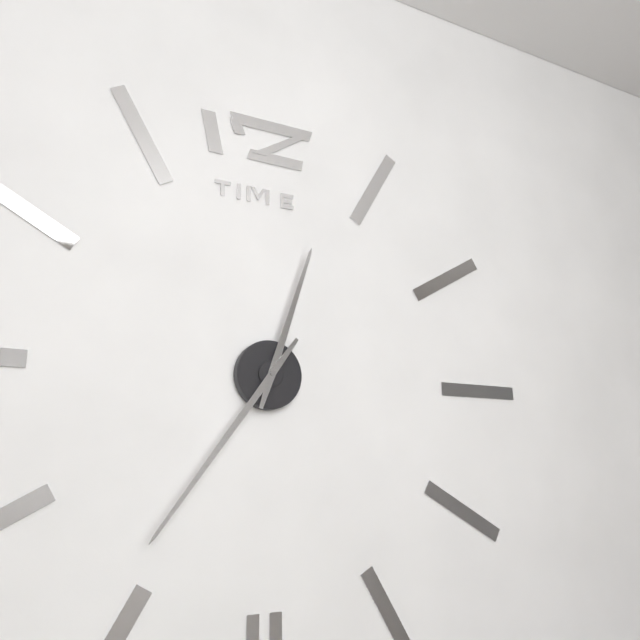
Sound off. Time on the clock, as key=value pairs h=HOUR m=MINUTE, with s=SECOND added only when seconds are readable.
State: h=12 m=36
